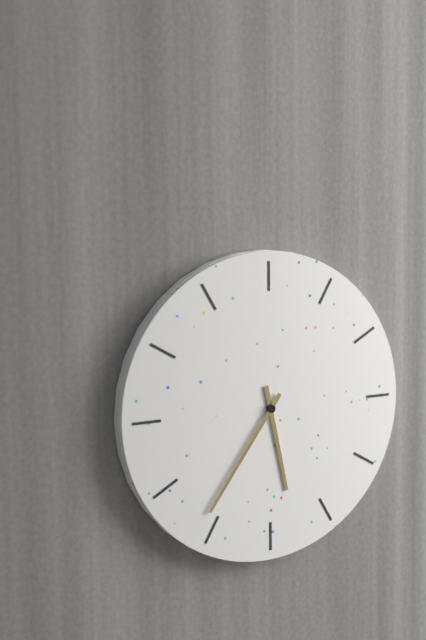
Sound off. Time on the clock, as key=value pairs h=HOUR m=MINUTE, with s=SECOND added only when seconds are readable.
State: h=5 m=36
